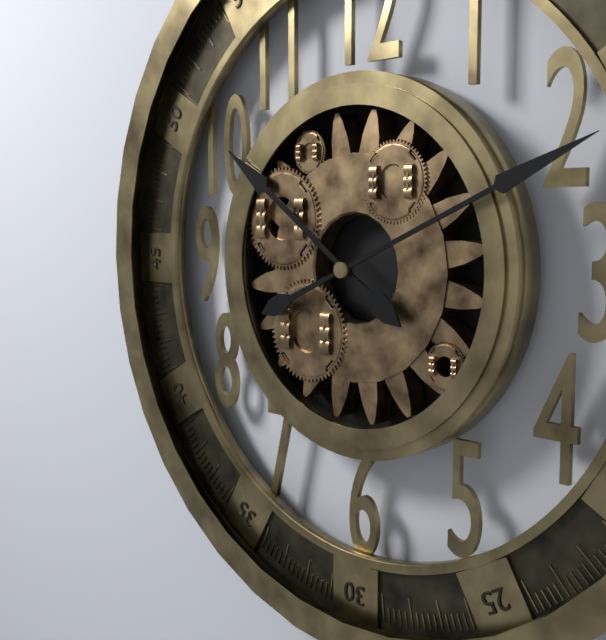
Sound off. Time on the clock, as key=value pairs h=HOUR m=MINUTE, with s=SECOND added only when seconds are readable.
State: h=10 m=11
